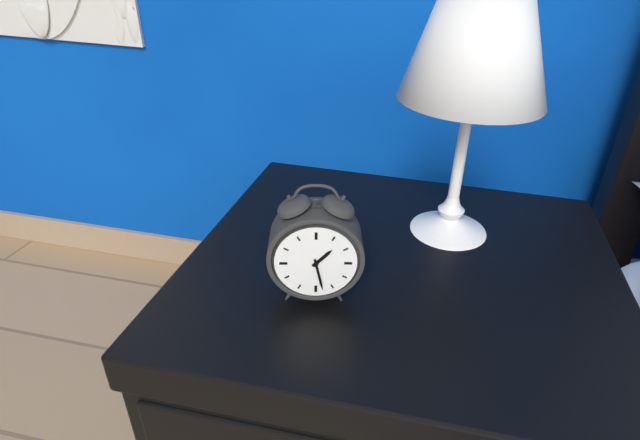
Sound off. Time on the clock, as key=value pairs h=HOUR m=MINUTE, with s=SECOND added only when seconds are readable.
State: h=1 m=28
